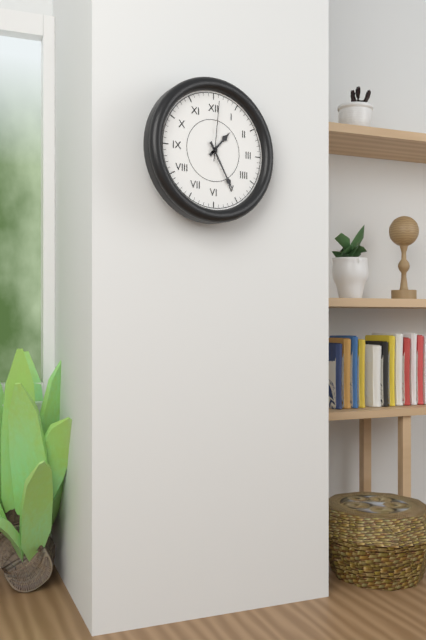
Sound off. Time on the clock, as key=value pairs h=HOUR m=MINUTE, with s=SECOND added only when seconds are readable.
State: h=1 m=25 s=1
